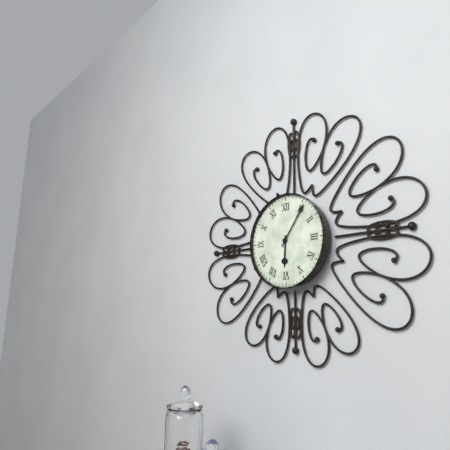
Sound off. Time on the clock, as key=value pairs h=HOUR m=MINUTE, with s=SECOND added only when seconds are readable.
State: h=6 m=6
